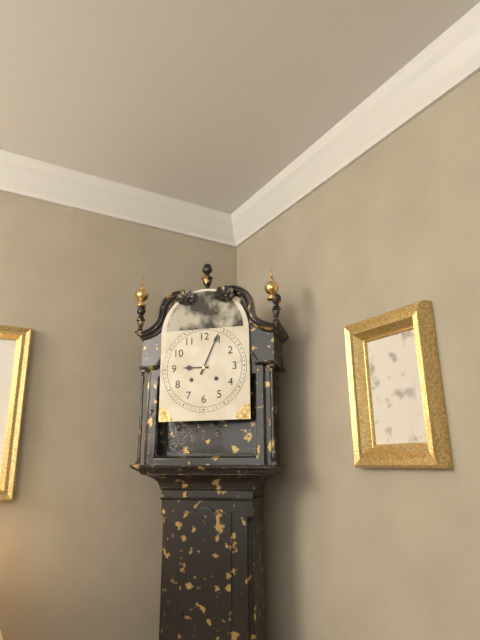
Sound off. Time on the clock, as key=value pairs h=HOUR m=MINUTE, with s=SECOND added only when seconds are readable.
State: h=9 m=4
